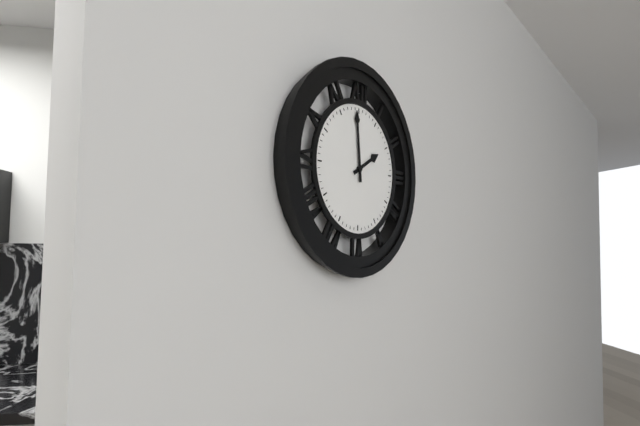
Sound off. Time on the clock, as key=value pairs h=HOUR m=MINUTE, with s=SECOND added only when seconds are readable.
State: h=1 m=59
